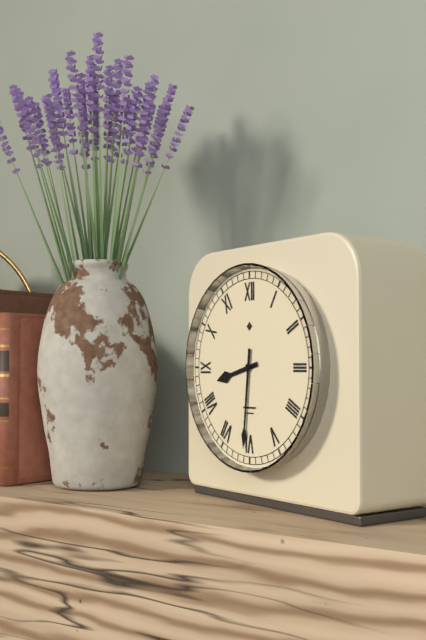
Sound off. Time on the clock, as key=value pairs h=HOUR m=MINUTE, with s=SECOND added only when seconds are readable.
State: h=8 m=31
